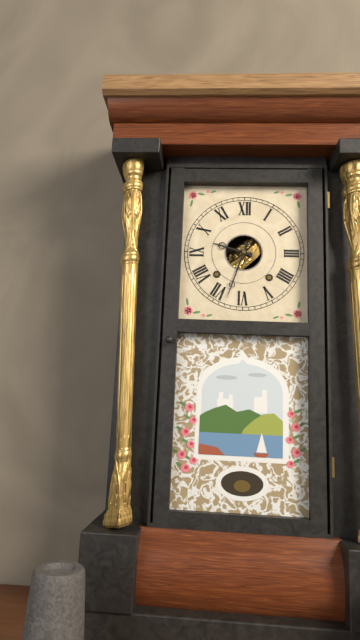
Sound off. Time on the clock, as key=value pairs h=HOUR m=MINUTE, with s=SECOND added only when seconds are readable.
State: h=9 m=33
